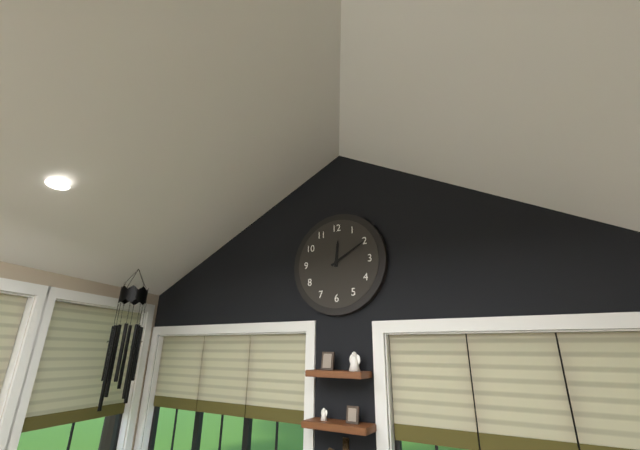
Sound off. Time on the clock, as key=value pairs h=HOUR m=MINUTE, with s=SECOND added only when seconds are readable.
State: h=12 m=10
